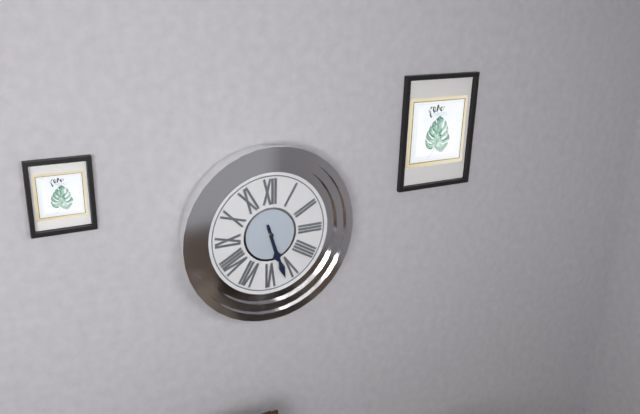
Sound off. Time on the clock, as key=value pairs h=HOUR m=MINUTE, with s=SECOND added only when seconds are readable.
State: h=5 m=27
